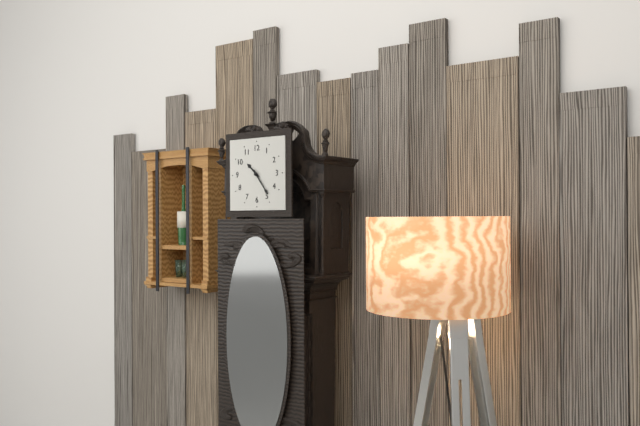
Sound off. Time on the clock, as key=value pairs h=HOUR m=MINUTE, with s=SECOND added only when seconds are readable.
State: h=10 m=24
